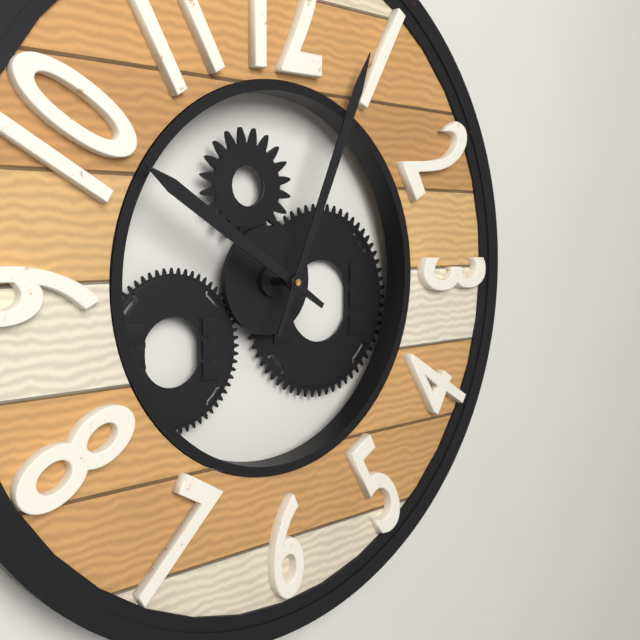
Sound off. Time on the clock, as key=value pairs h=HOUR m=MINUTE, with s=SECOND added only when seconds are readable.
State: h=10 m=4
